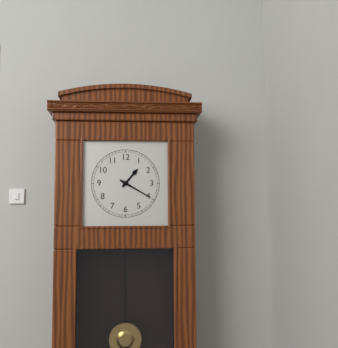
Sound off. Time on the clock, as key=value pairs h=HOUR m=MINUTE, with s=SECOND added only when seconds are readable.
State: h=1 m=20
